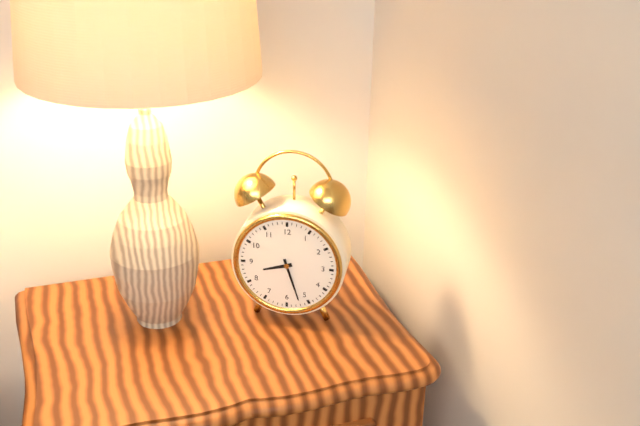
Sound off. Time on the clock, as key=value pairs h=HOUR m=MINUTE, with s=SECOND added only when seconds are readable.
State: h=8 m=27
